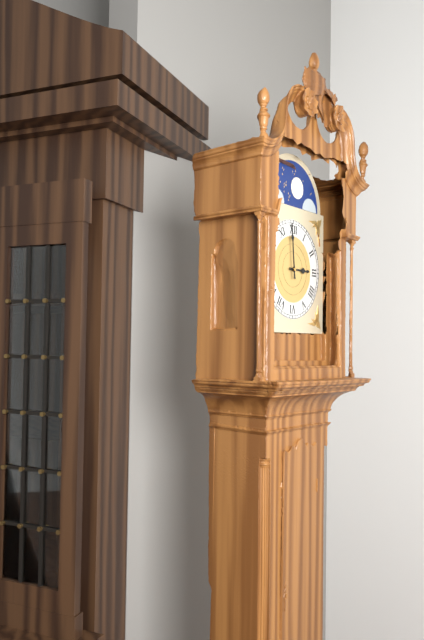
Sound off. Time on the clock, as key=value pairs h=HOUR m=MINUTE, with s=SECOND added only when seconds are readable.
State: h=2 m=59
